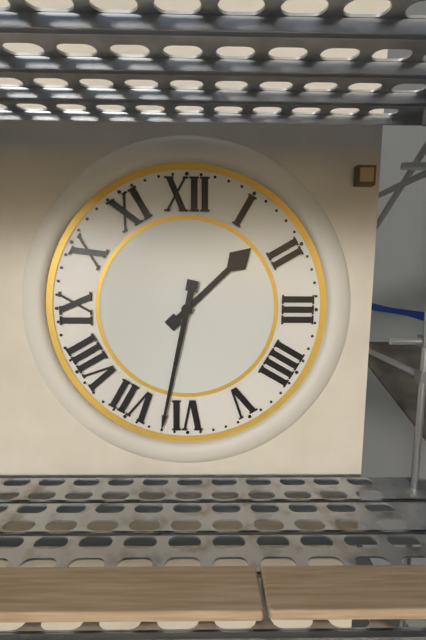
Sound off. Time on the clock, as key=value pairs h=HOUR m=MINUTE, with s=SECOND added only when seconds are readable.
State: h=1 m=32
